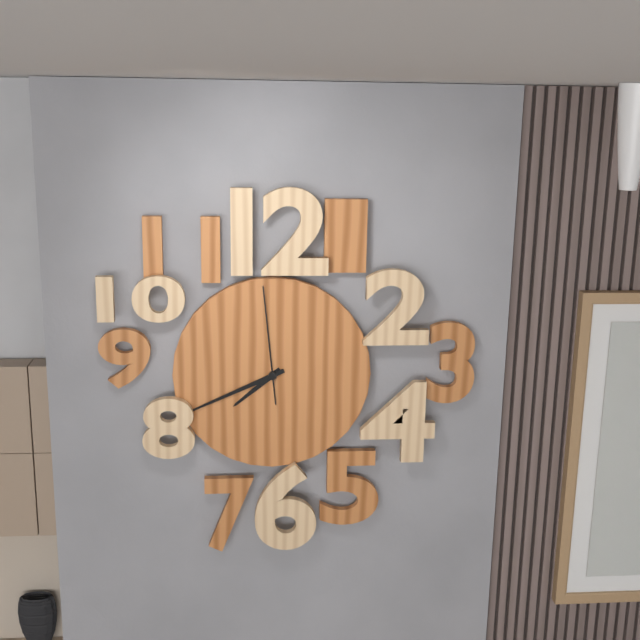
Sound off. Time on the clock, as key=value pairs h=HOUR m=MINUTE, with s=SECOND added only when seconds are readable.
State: h=7 m=41 s=59
